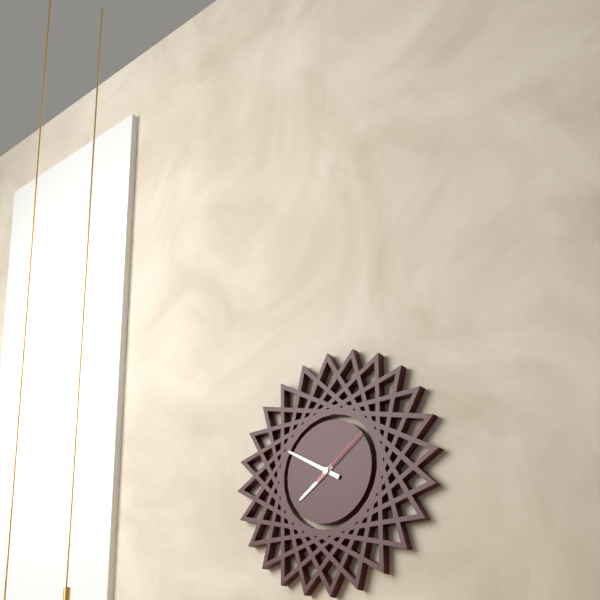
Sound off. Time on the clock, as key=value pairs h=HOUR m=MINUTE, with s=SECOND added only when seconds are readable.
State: h=7 m=50 s=9
